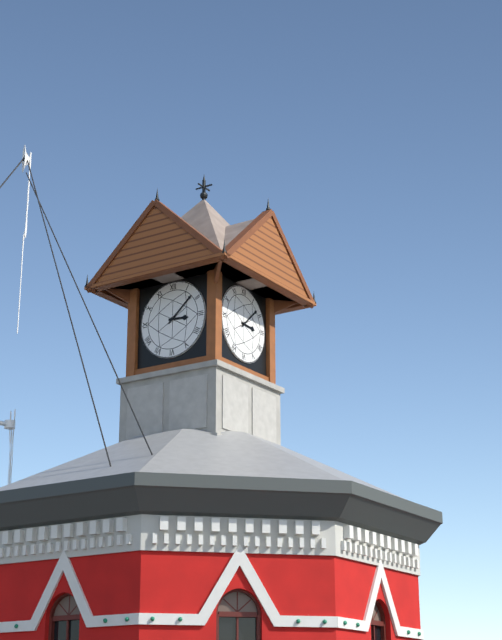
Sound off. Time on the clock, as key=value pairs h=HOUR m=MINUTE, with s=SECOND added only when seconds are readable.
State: h=3 m=8
